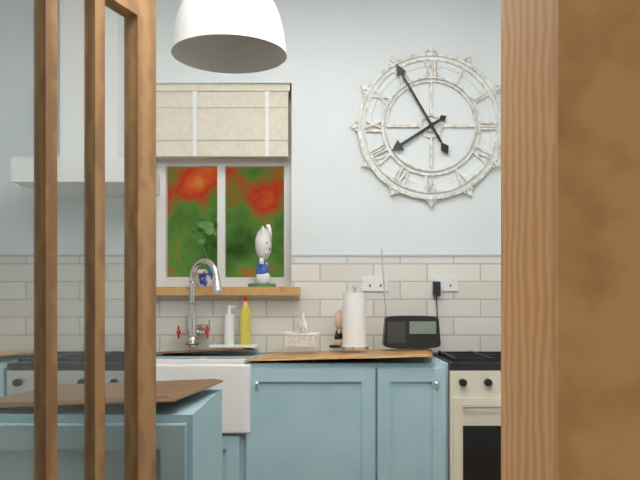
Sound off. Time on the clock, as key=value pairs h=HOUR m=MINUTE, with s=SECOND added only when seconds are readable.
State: h=7 m=55
